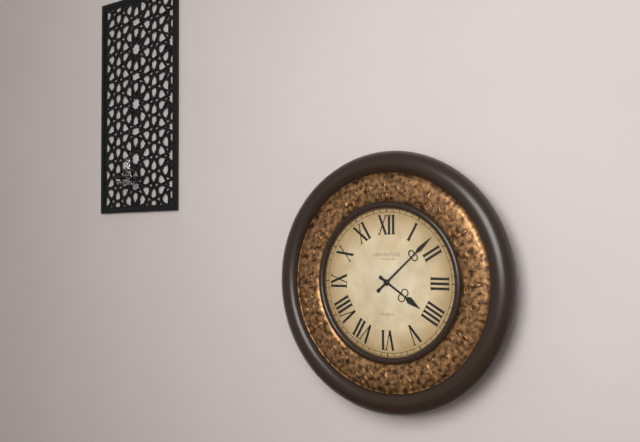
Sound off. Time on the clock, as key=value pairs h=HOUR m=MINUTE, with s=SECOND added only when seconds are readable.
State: h=4 m=8
